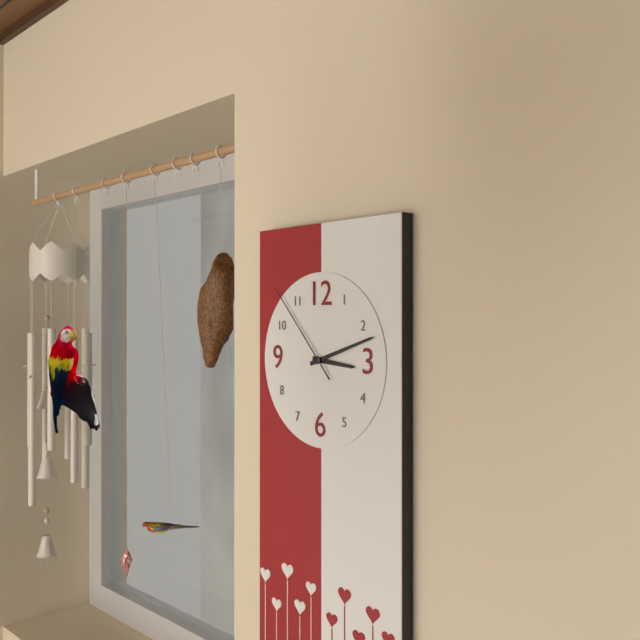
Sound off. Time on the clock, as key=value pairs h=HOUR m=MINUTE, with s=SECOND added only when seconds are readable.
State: h=3 m=12 s=53
